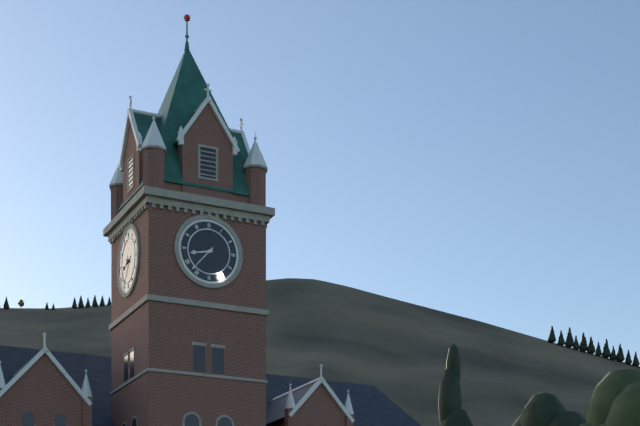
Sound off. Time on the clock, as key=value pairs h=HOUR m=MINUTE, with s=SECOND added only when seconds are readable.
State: h=8 m=37
